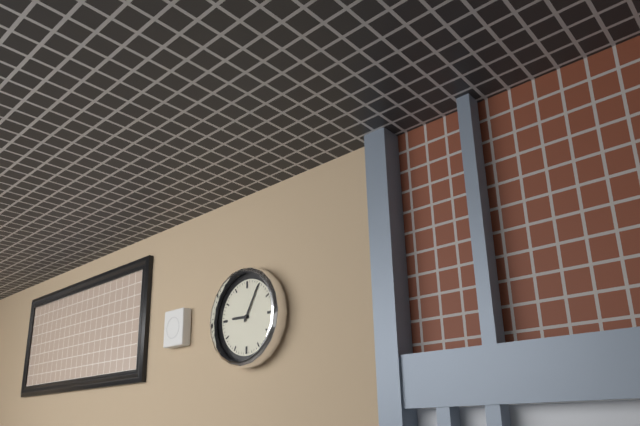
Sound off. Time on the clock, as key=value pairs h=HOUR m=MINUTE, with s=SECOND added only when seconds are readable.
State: h=9 m=5
